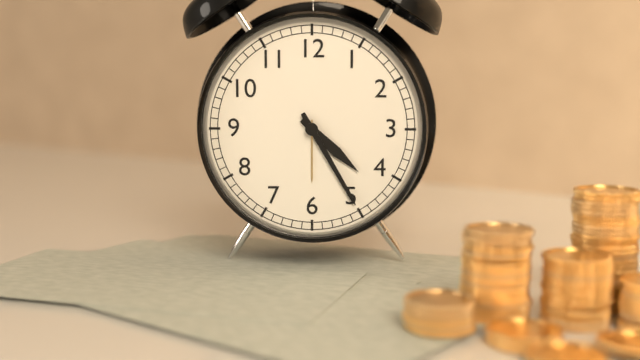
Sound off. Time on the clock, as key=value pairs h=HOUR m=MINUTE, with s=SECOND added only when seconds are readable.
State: h=4 m=25
